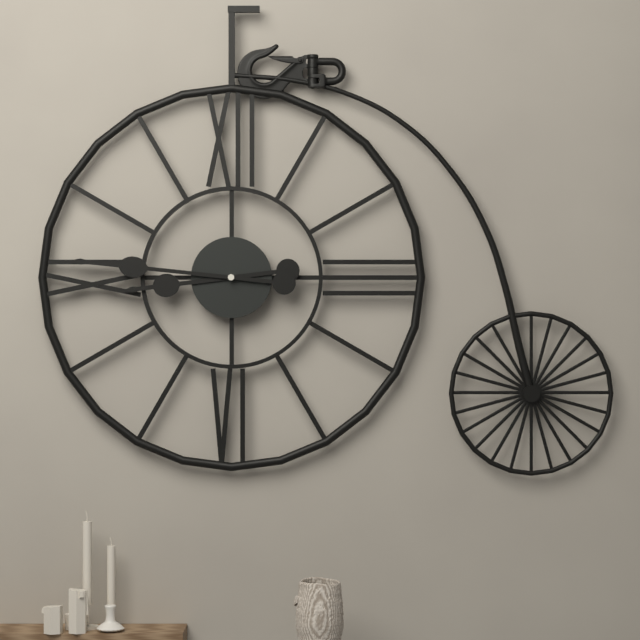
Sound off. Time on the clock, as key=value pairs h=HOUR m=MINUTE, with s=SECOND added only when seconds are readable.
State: h=8 m=46
